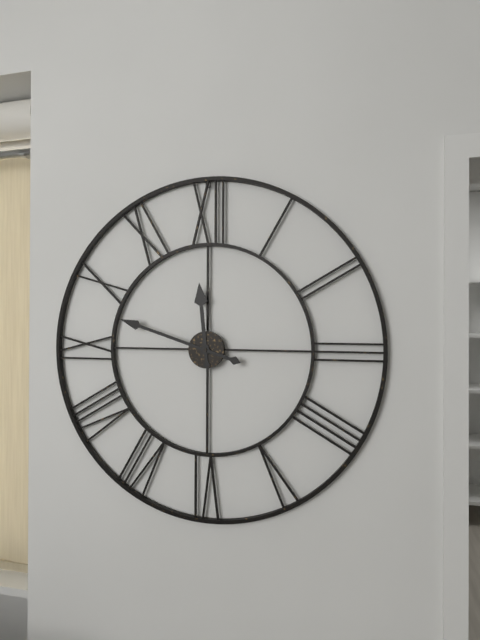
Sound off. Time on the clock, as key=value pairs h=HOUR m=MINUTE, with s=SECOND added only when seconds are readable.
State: h=11 m=48
